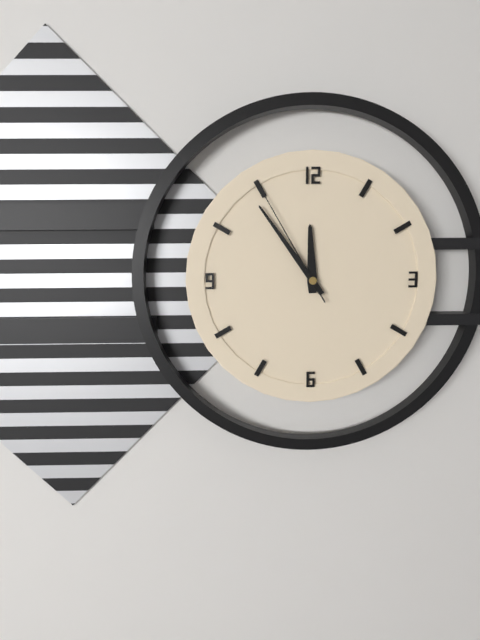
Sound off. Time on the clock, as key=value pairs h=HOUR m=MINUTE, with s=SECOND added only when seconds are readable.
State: h=11 m=54 s=55
